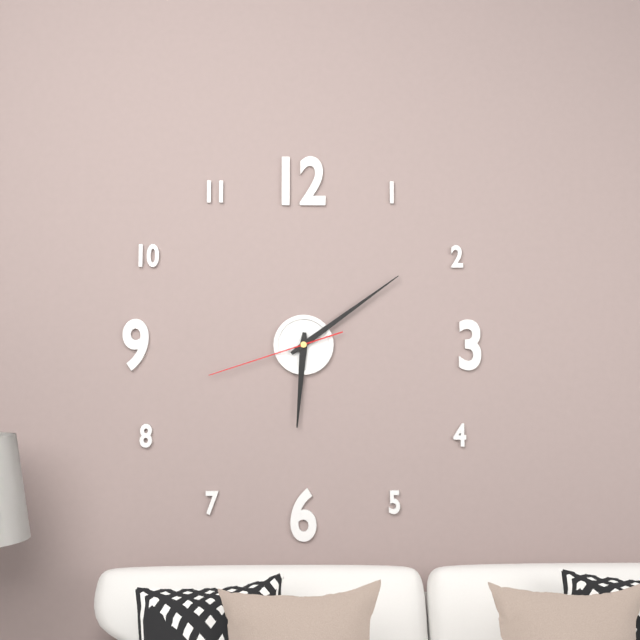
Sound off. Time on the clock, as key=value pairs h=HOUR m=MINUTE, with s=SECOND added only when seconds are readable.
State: h=6 m=9 s=42
